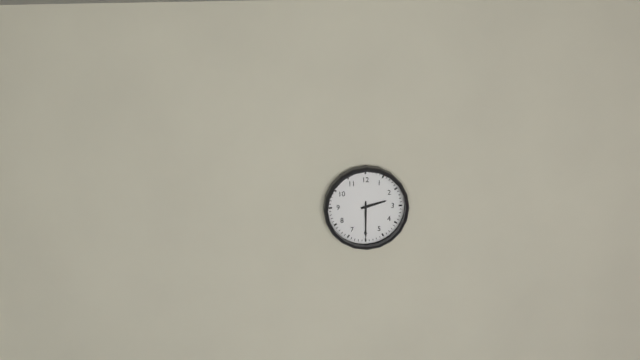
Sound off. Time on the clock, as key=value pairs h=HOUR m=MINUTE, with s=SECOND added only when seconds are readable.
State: h=2 m=30
